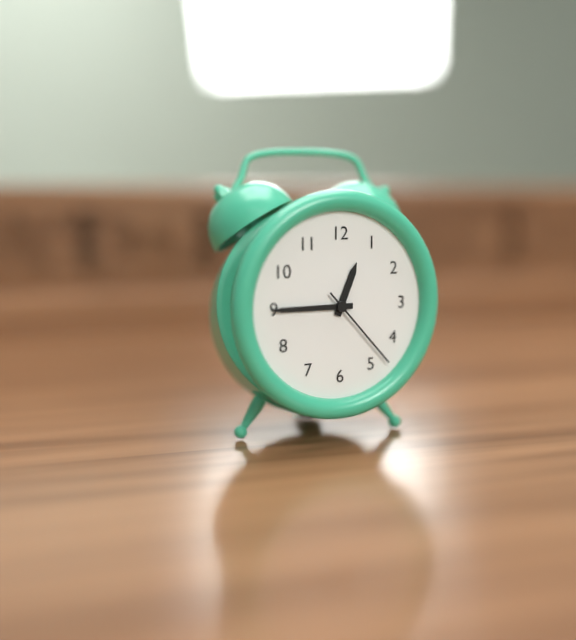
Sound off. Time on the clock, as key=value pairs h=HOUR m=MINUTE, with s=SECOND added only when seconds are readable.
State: h=12 m=45 s=23
